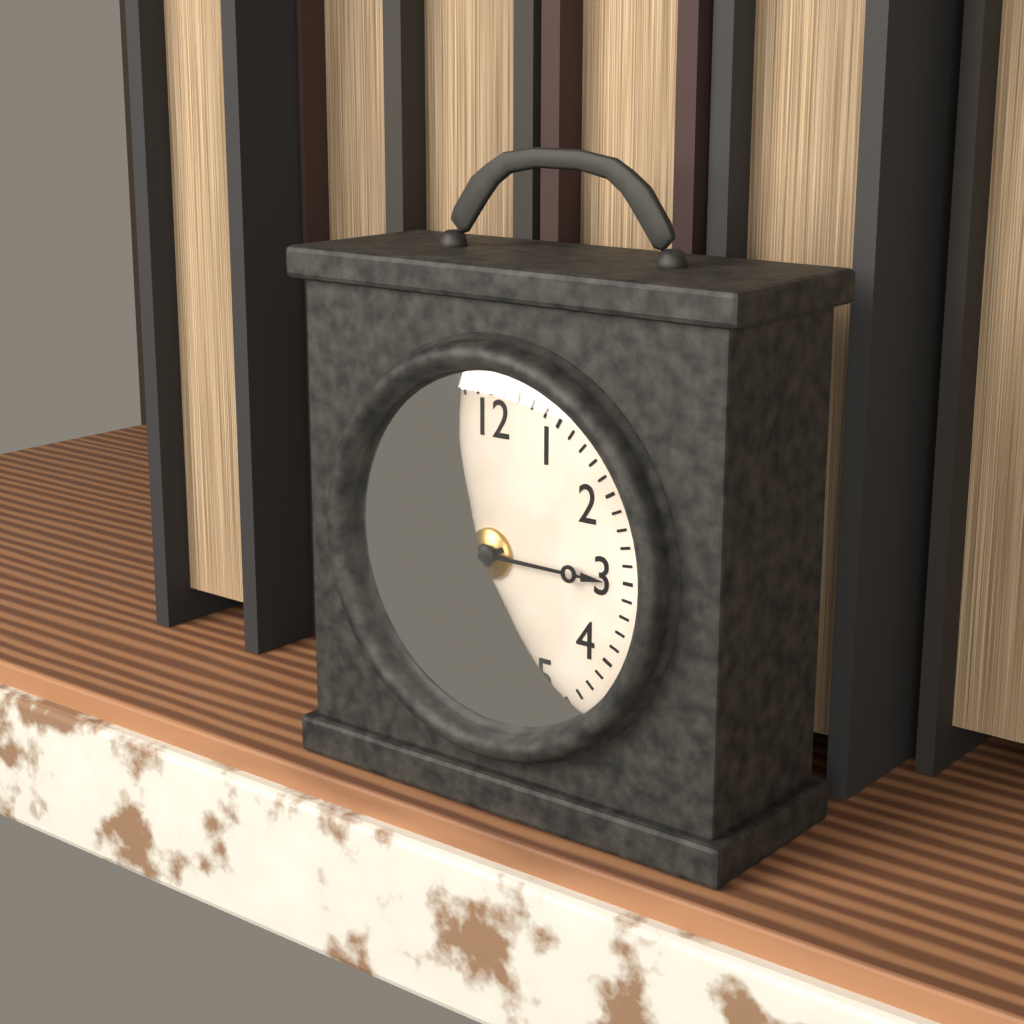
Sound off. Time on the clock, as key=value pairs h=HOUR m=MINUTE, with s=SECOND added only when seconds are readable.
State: h=8 m=15
